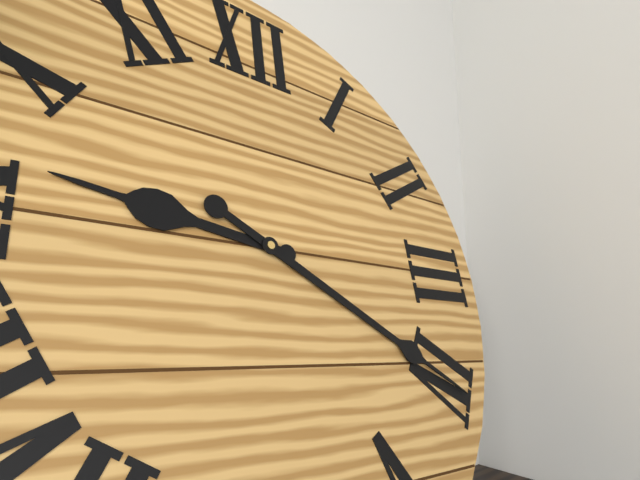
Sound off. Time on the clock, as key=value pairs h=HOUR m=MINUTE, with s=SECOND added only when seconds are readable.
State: h=9 m=20
